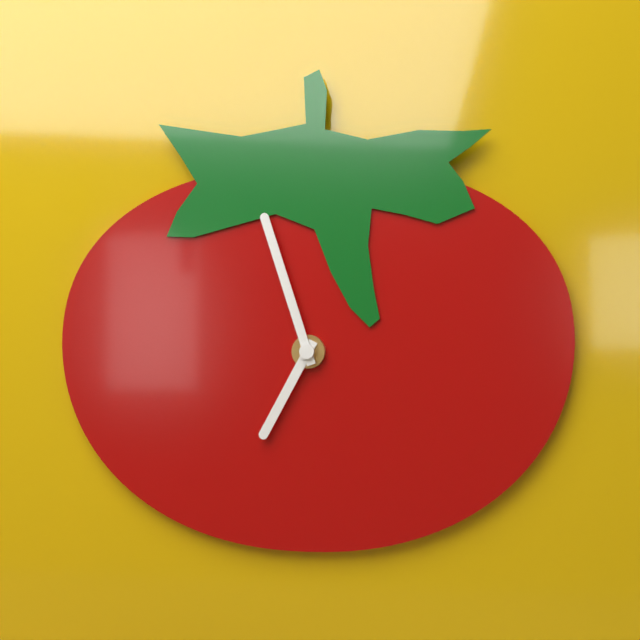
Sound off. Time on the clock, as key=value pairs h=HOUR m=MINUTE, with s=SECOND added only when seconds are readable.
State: h=6 m=57
